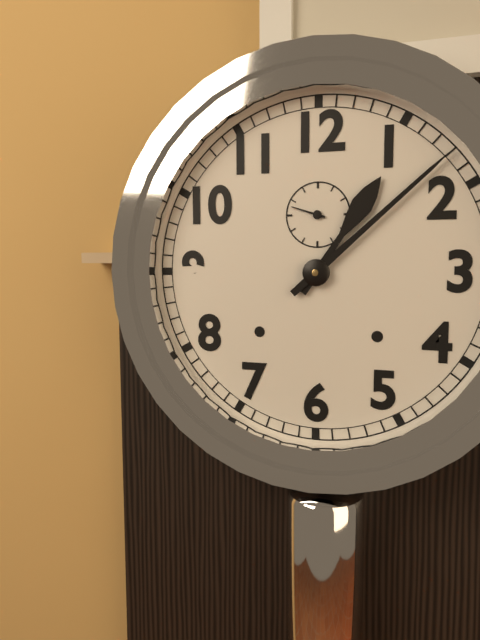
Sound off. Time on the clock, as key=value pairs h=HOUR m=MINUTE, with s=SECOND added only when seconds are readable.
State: h=1 m=8
